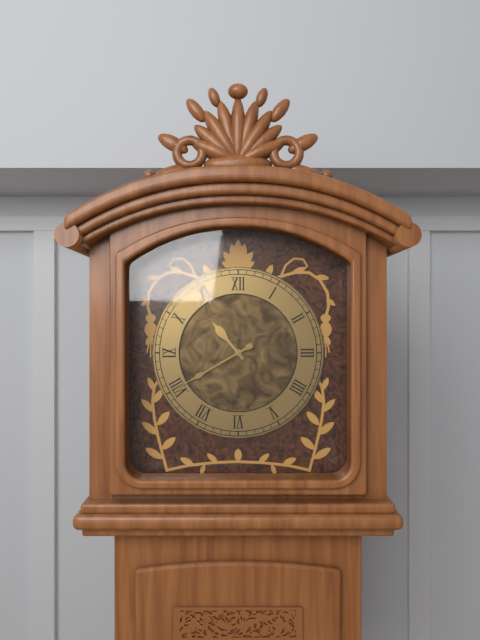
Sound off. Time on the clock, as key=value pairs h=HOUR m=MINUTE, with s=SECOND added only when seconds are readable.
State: h=10 m=40
